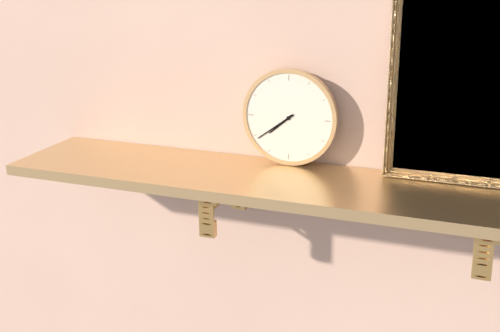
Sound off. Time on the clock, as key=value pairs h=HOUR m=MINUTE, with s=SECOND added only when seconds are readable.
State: h=7 m=39
